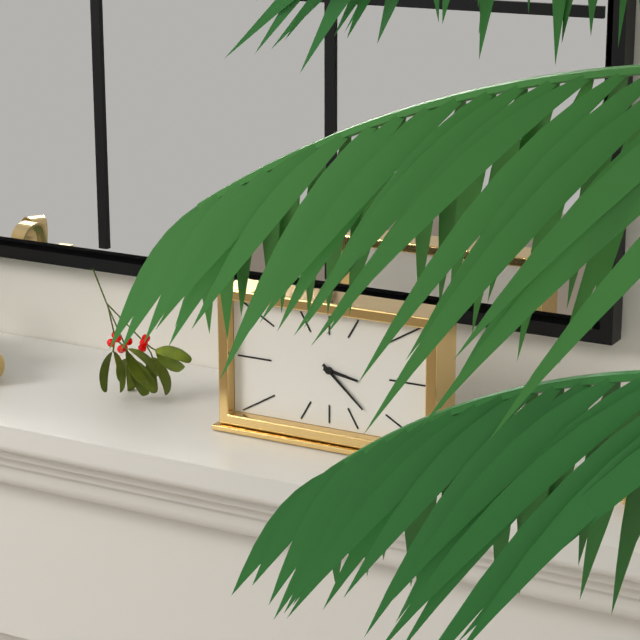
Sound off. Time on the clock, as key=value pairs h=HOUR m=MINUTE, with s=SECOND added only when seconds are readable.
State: h=3 m=22
